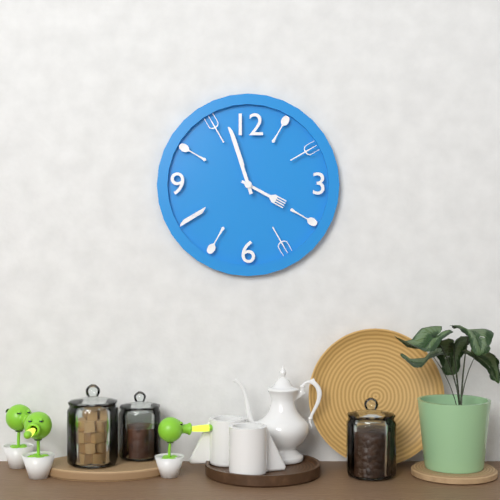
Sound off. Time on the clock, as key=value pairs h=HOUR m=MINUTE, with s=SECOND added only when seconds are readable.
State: h=3 m=57
